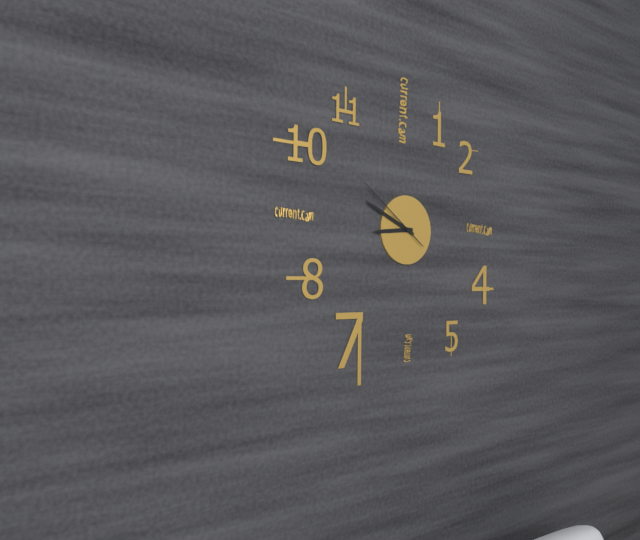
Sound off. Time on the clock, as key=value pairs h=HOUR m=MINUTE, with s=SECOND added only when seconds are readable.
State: h=8 m=49 s=51
